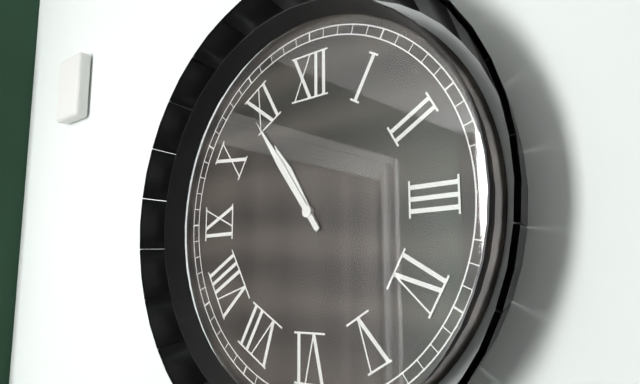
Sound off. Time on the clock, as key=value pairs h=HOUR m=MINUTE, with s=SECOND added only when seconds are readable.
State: h=10 m=54
